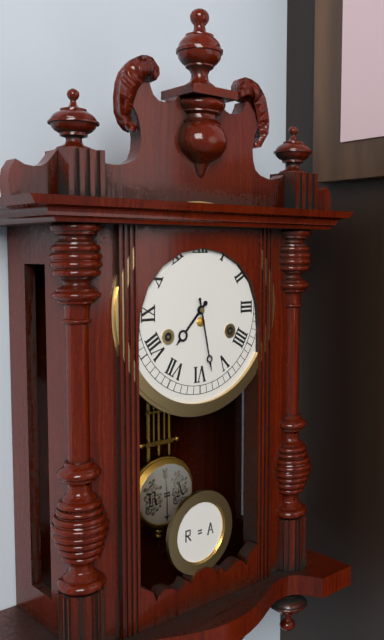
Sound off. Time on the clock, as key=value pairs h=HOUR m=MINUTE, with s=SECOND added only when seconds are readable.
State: h=7 m=28
